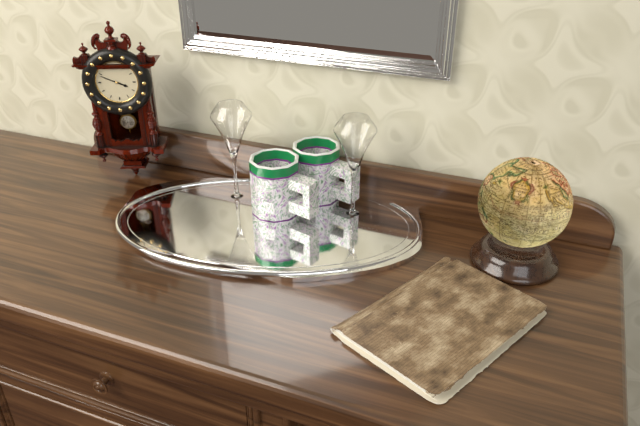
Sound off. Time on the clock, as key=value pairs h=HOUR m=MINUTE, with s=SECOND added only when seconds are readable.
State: h=3 m=49
